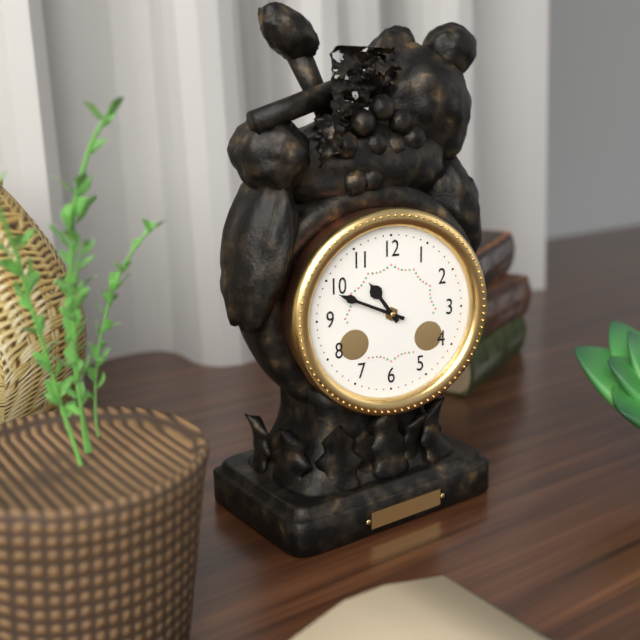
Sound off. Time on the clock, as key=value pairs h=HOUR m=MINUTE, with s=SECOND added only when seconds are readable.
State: h=10 m=49
